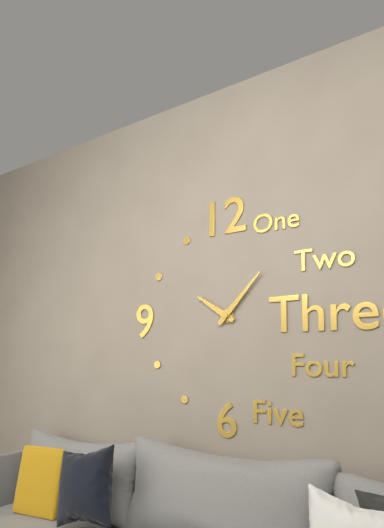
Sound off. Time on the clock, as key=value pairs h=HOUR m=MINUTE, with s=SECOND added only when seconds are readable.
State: h=10 m=7
